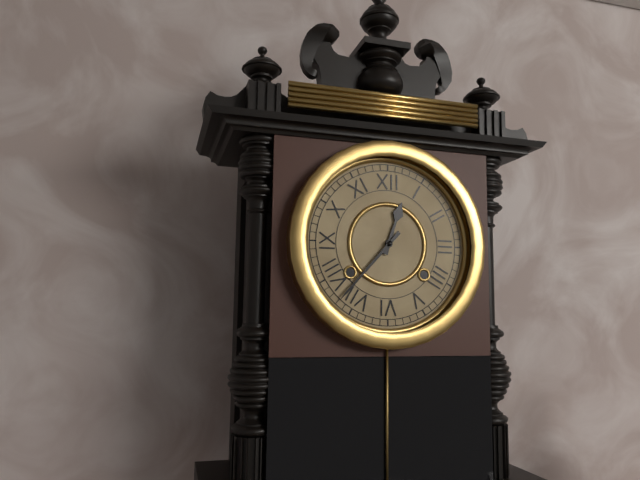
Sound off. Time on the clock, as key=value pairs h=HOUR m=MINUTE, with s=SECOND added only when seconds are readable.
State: h=12 m=37
